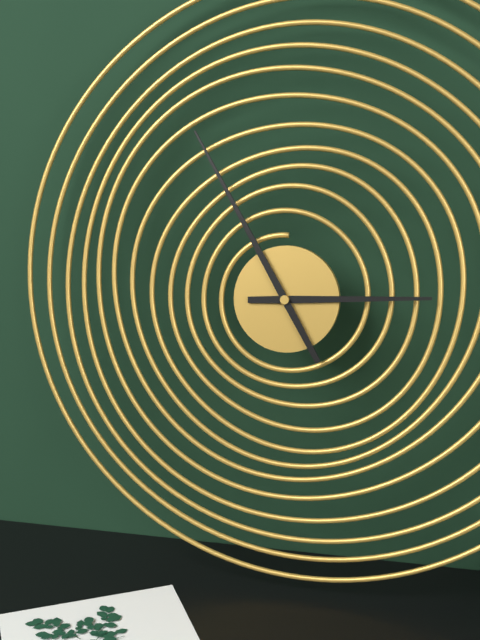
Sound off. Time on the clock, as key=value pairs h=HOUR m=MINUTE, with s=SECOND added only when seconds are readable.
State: h=2 m=55
